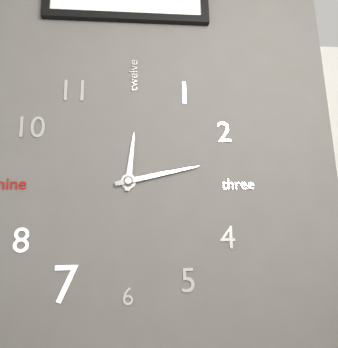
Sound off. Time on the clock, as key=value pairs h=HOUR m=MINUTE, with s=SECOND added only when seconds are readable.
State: h=12 m=13
